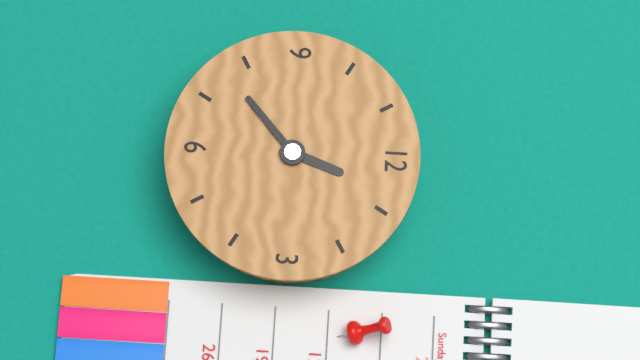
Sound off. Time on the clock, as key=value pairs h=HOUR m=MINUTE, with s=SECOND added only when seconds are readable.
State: h=12 m=38
